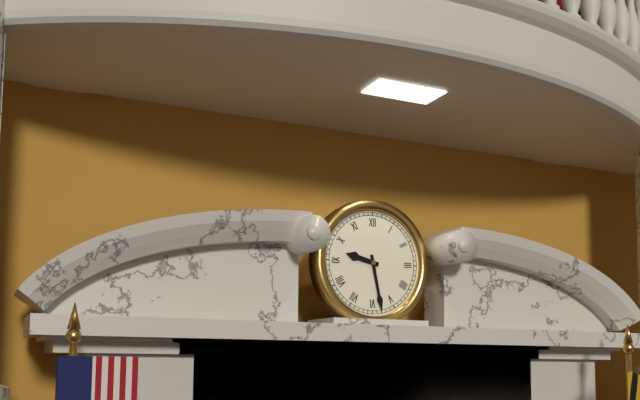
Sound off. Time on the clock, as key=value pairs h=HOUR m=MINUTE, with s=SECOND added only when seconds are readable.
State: h=9 m=28
